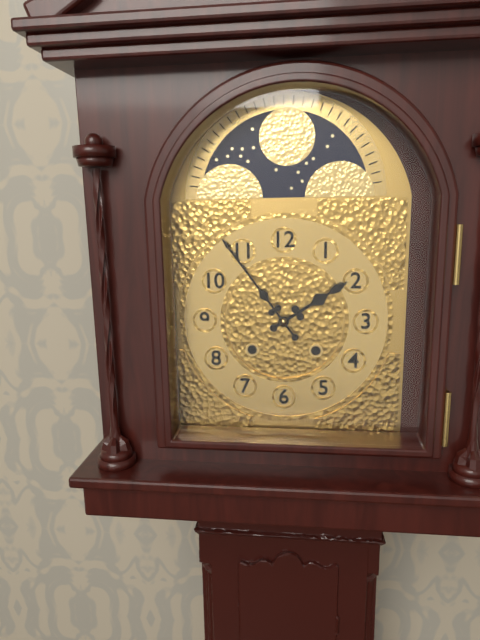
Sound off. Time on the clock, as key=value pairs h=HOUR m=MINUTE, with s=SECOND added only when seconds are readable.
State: h=1 m=54
